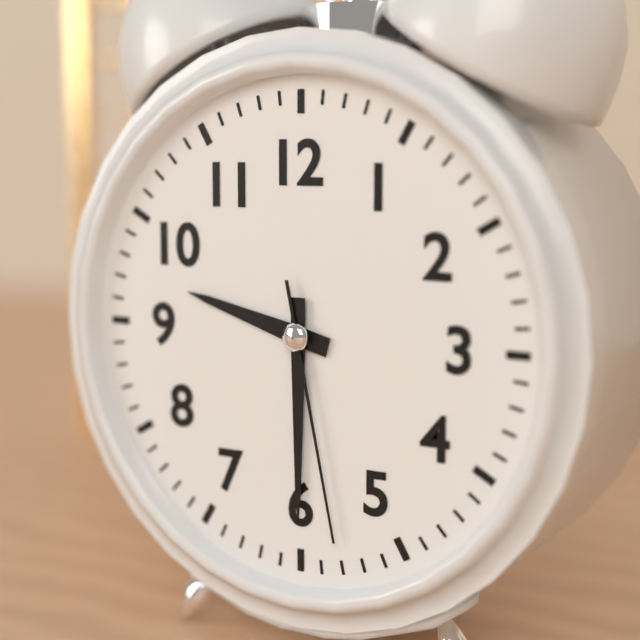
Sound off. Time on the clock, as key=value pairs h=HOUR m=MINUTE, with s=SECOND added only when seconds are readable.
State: h=9 m=30 s=28
